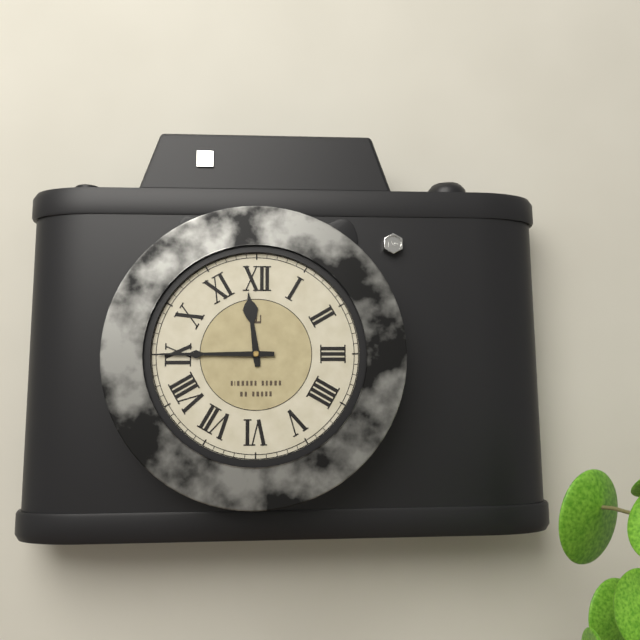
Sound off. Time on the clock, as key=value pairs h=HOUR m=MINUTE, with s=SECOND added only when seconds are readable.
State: h=11 m=45
